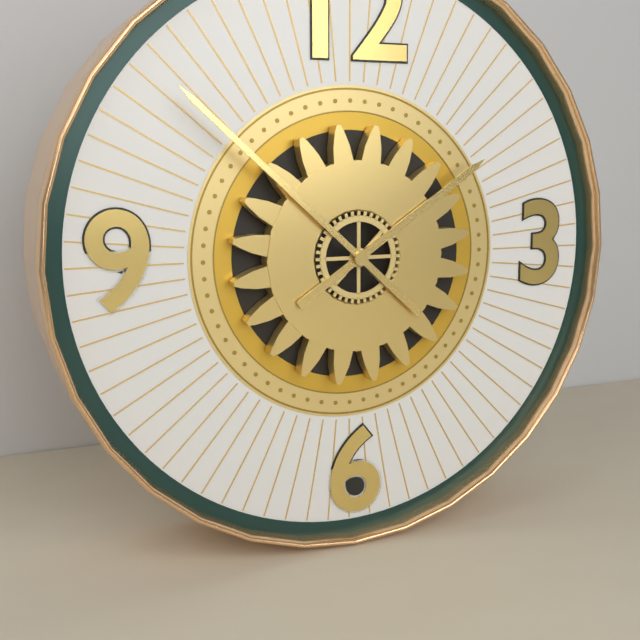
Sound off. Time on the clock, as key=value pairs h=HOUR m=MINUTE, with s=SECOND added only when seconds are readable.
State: h=1 m=52
